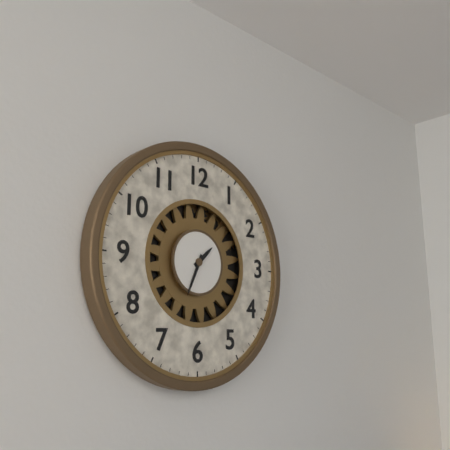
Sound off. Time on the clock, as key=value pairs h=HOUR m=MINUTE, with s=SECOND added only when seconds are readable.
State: h=1 m=34
